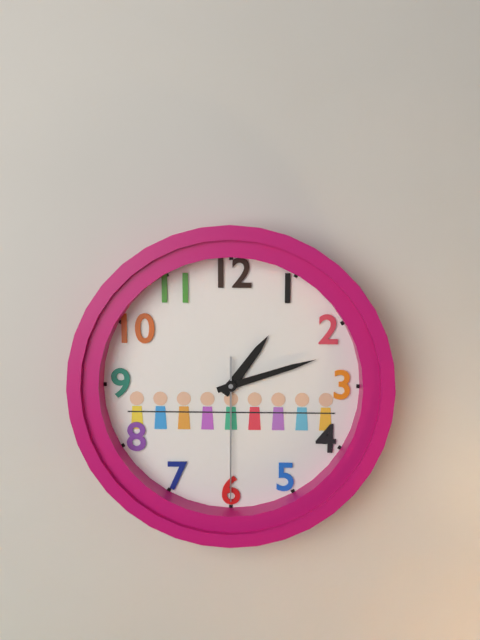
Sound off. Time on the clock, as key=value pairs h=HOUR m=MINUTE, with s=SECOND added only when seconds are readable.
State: h=1 m=12 s=30
